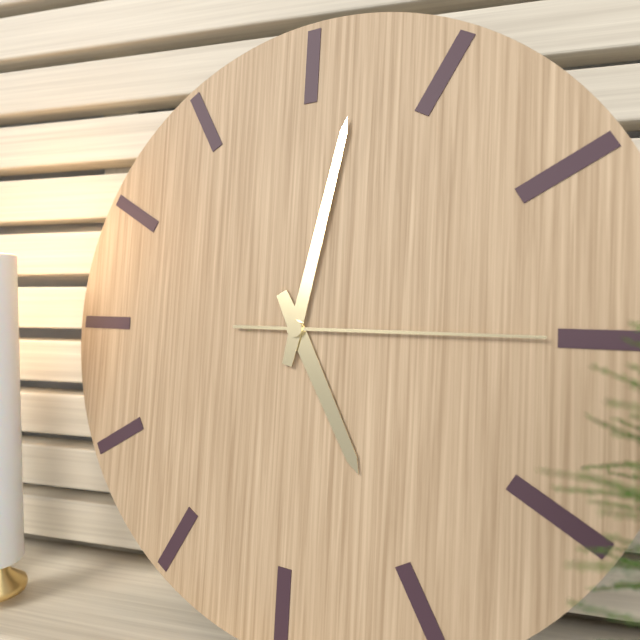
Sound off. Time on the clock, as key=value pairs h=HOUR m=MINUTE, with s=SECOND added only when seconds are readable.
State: h=5 m=2 s=15
